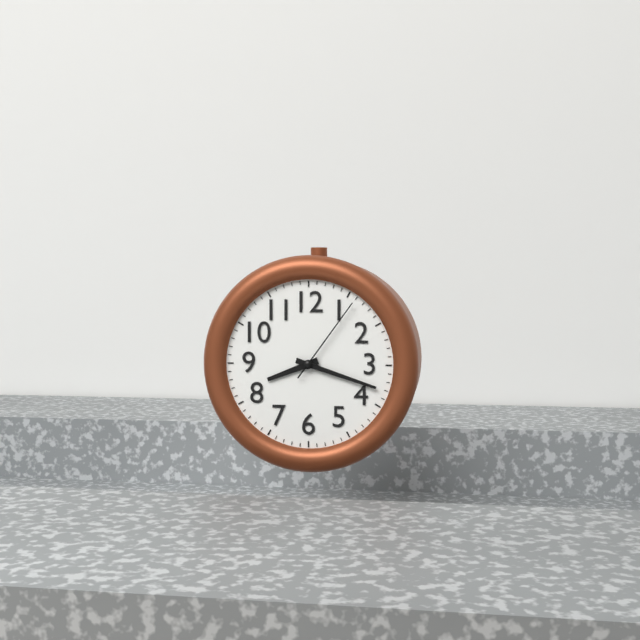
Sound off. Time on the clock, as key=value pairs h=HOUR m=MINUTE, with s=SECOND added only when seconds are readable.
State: h=8 m=18 s=6
